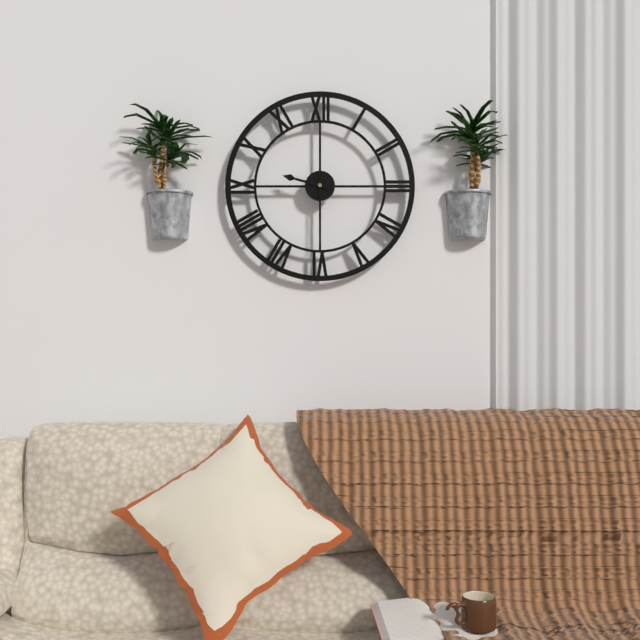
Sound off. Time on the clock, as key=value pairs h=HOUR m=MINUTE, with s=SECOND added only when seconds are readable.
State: h=9 m=30
